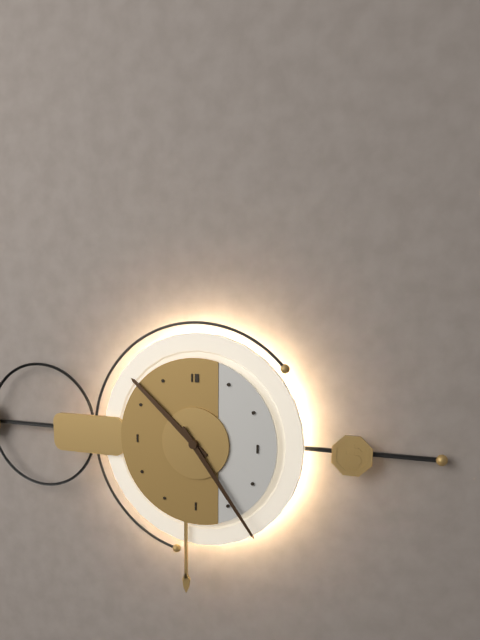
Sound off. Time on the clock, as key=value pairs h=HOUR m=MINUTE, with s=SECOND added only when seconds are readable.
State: h=10 m=24
